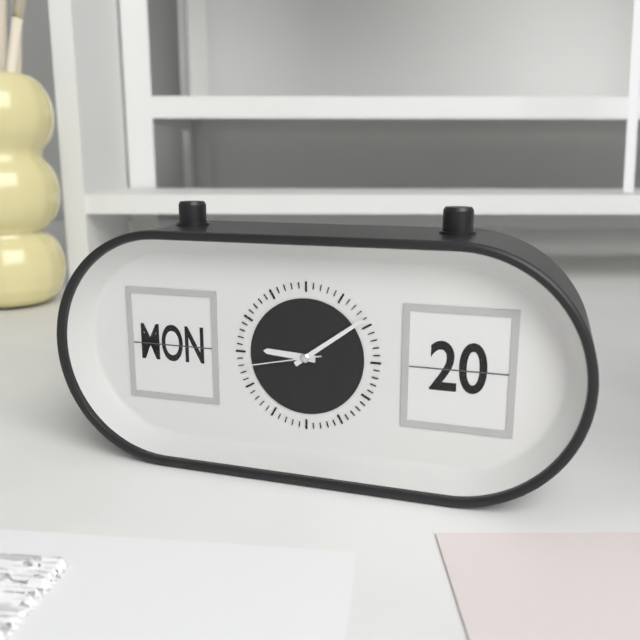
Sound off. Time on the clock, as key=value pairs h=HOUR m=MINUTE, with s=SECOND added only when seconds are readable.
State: h=9 m=9 s=43
